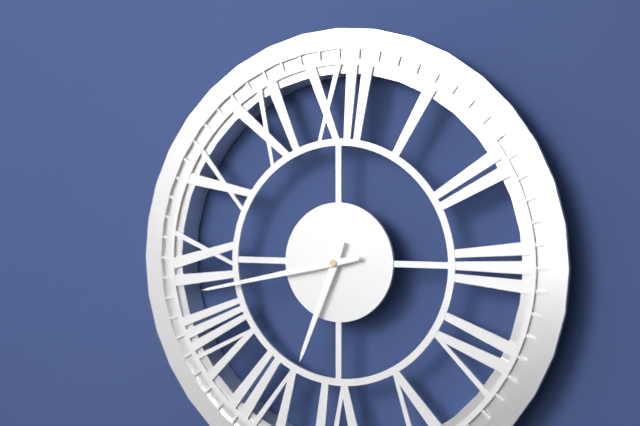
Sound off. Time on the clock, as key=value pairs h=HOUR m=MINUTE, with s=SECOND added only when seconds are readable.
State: h=6 m=43
